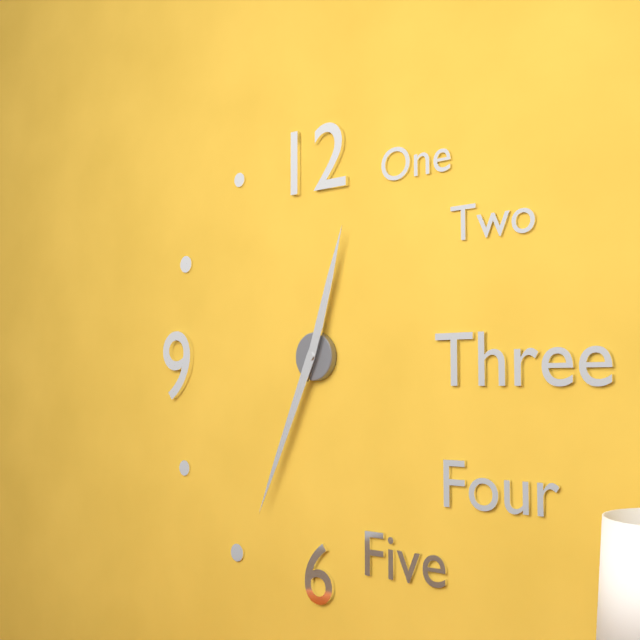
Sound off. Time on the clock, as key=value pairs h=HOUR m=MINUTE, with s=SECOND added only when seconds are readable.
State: h=12 m=34
